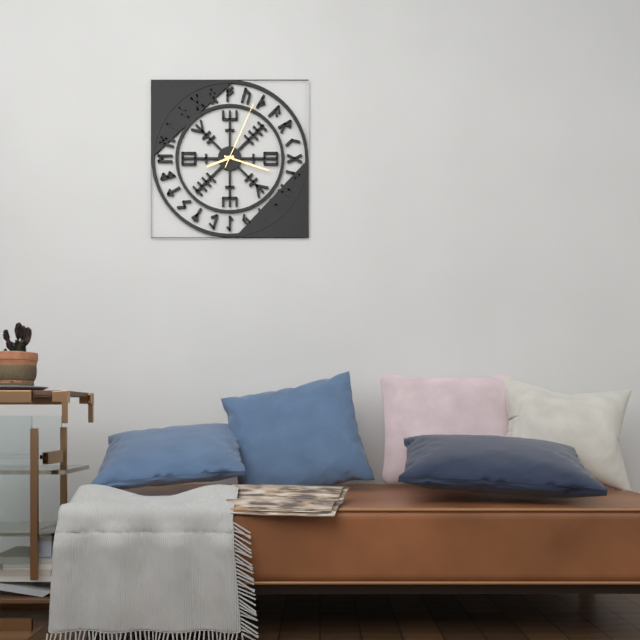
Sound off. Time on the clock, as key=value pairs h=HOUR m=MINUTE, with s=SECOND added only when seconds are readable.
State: h=8 m=18 s=4
